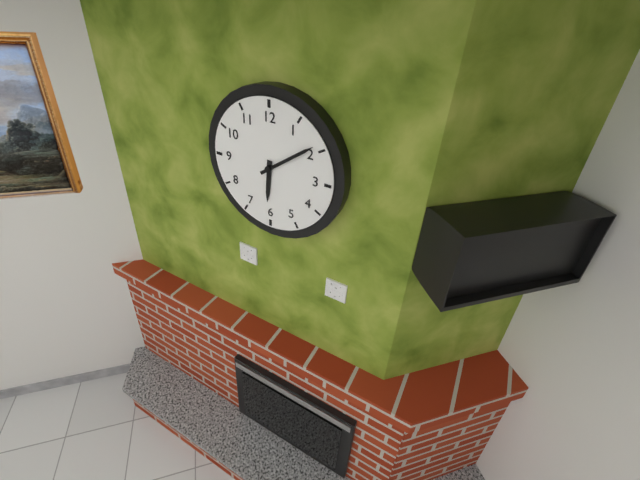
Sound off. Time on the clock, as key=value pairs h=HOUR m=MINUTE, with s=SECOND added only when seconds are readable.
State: h=6 m=9
